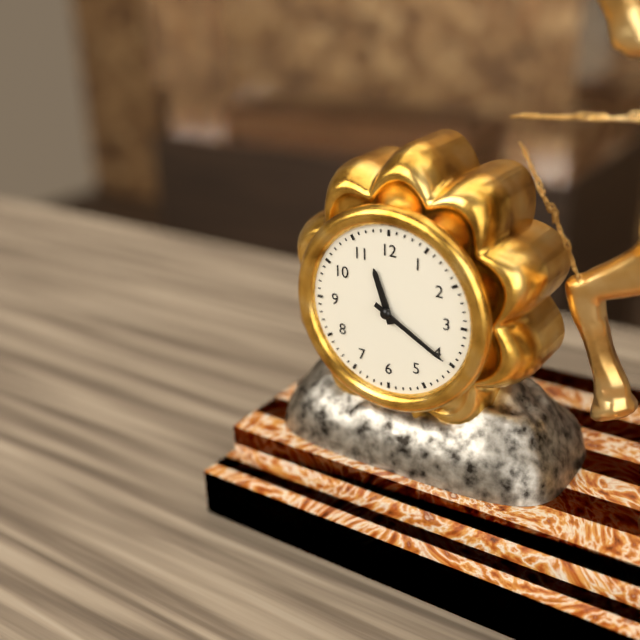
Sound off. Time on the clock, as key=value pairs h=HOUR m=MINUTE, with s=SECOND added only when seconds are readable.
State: h=11 m=20
